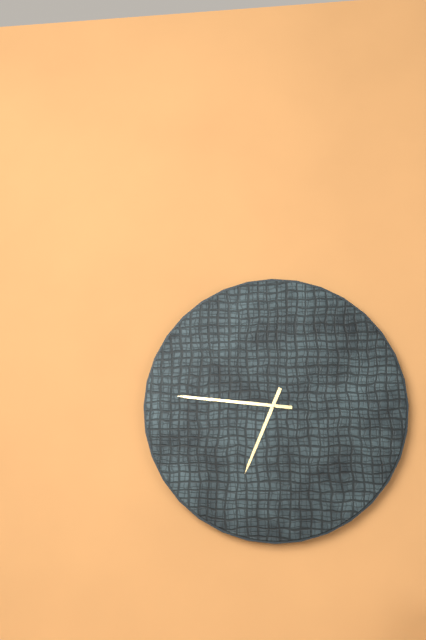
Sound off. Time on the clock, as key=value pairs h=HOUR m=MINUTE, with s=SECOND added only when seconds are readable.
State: h=6 m=46
